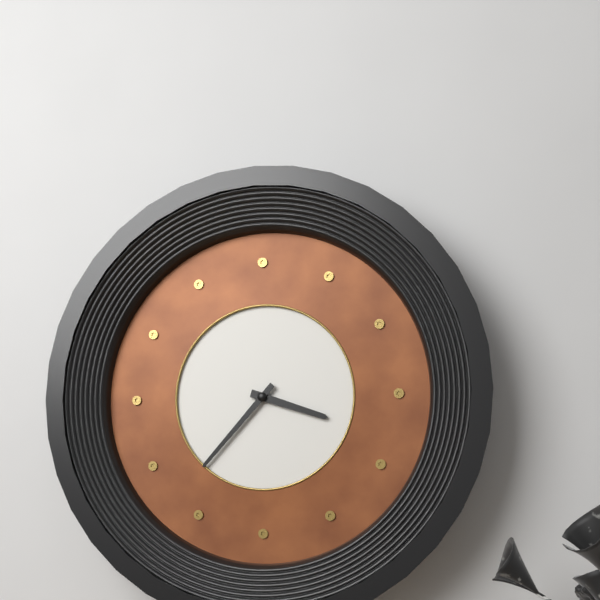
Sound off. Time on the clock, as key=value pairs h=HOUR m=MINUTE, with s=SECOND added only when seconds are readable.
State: h=3 m=37
